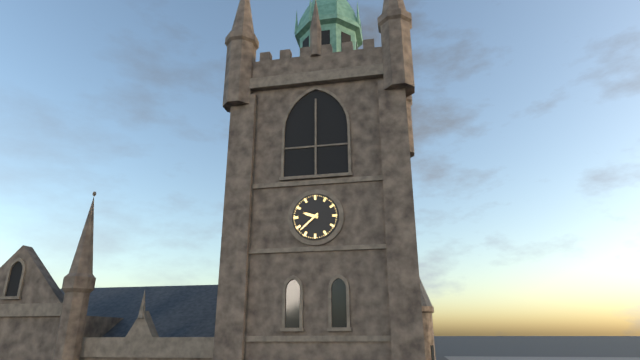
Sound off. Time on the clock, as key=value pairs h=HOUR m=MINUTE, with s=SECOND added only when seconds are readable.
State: h=9 m=38
